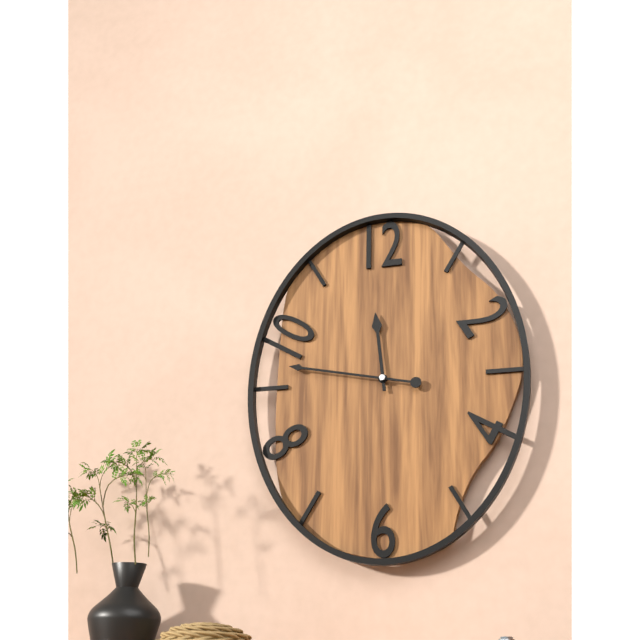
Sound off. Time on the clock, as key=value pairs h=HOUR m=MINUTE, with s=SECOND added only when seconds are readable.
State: h=11 m=47
